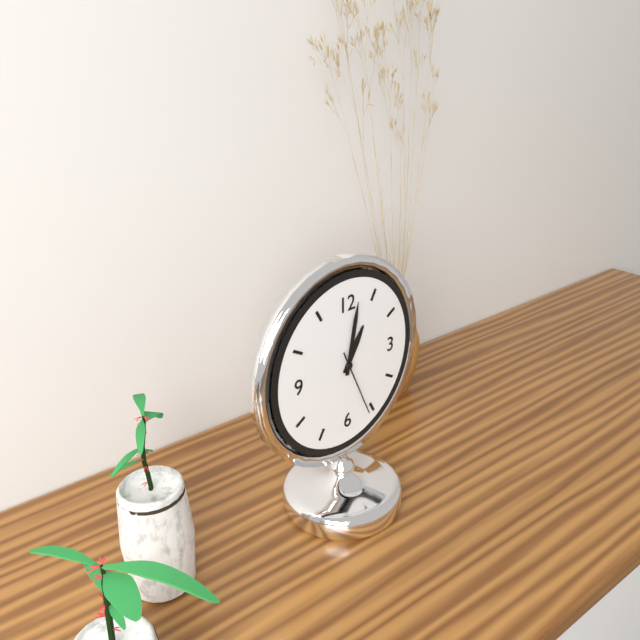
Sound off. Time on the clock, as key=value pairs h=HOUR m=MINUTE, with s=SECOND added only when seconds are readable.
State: h=1 m=2 s=26
